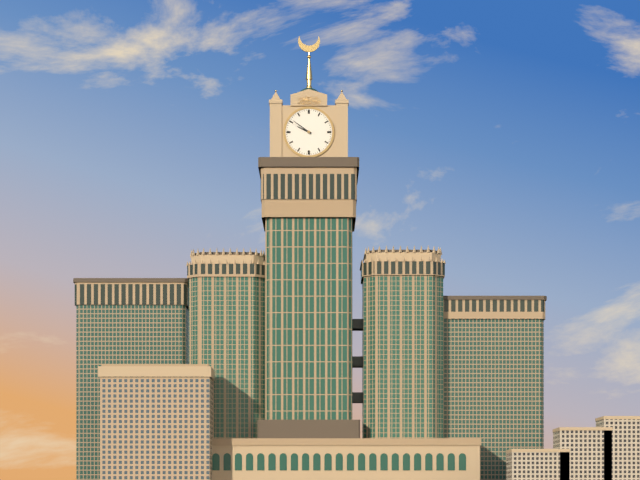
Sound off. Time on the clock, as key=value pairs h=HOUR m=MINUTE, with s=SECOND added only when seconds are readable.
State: h=9 m=51
